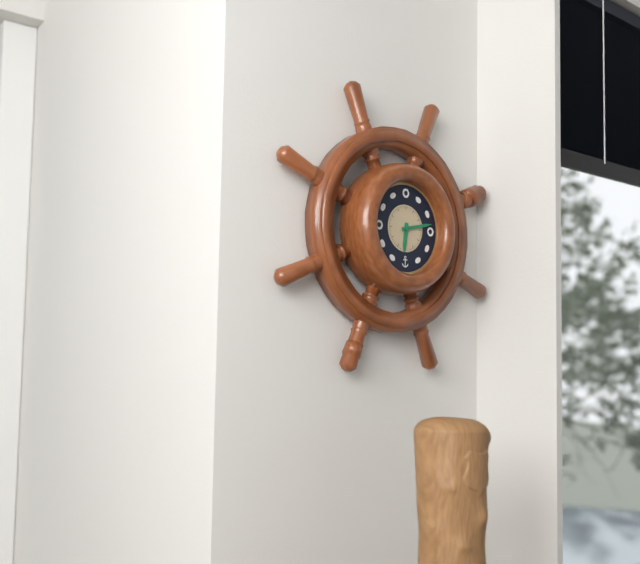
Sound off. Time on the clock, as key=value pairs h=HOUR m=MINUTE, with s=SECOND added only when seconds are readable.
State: h=6 m=13
